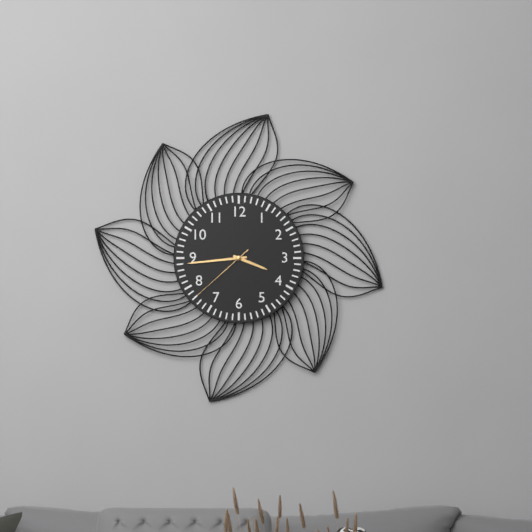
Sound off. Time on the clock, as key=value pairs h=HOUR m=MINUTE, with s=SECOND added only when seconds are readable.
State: h=3 m=44 s=38
